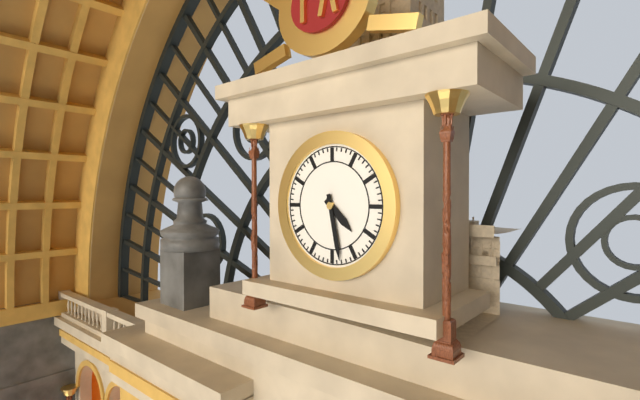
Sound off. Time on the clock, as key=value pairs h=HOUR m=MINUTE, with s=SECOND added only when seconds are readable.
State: h=4 m=28
